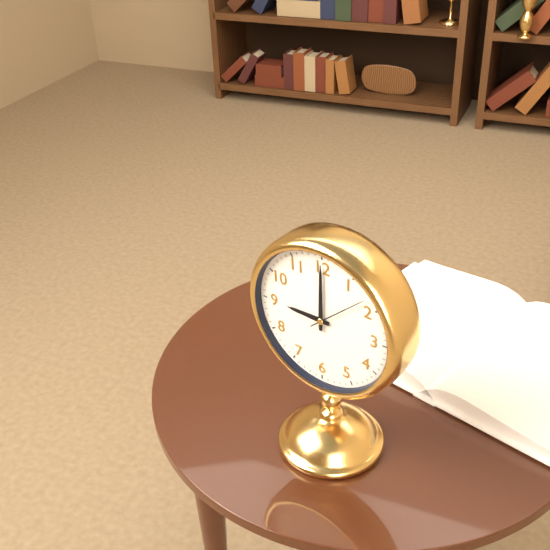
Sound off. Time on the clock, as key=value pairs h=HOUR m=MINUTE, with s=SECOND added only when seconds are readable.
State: h=9 m=0 s=8
